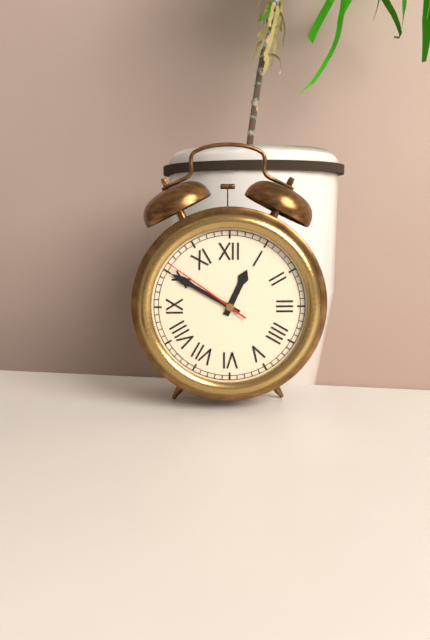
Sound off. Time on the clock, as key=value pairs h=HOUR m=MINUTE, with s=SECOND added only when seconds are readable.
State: h=12 m=50 s=51
